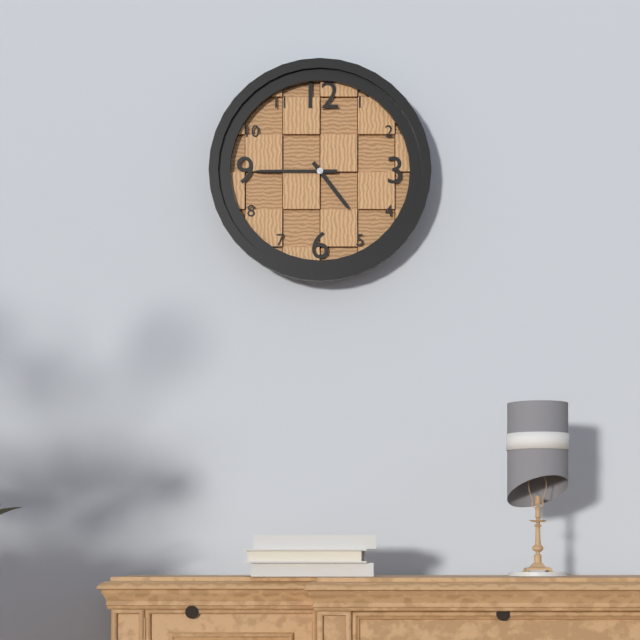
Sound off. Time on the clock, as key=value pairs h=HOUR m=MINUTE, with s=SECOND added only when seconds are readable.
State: h=4 m=45
